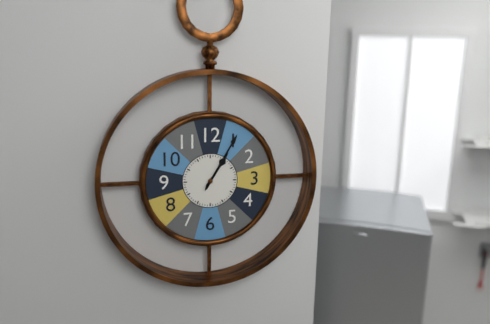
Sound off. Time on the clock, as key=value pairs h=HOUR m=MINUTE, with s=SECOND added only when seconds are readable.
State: h=1 m=5
